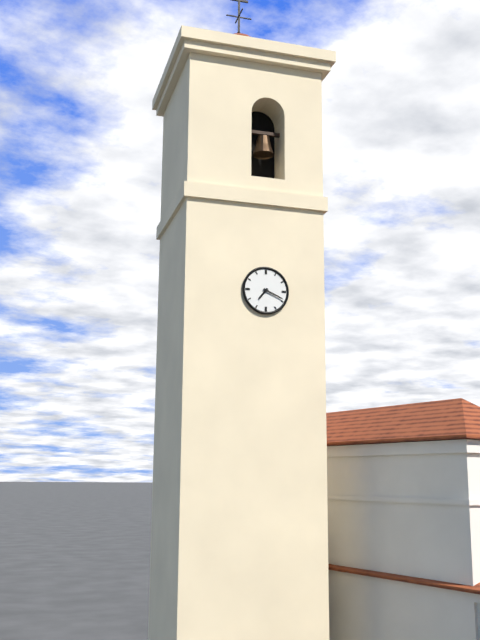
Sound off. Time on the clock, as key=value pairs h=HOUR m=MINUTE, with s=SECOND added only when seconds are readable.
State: h=7 m=19
